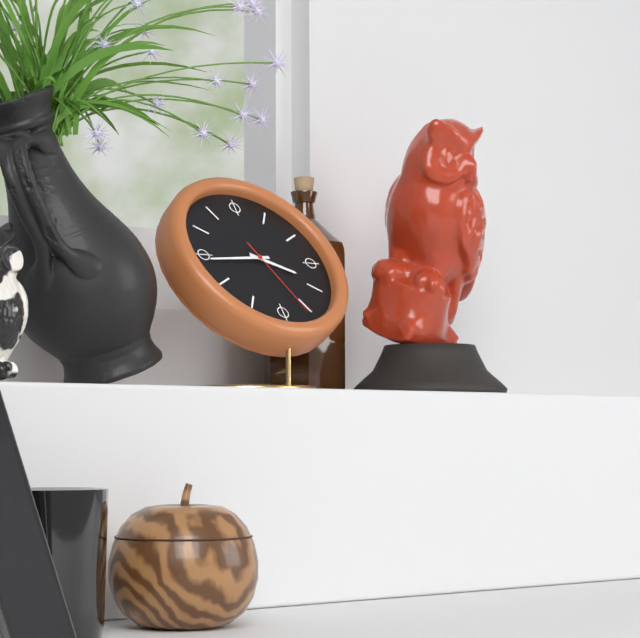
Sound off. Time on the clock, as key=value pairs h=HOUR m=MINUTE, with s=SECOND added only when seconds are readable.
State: h=3 m=44 s=26
